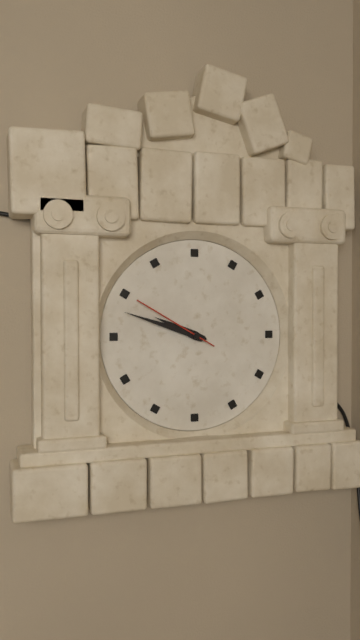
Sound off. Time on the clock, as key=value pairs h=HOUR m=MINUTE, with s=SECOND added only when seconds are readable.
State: h=9 m=48 s=50
